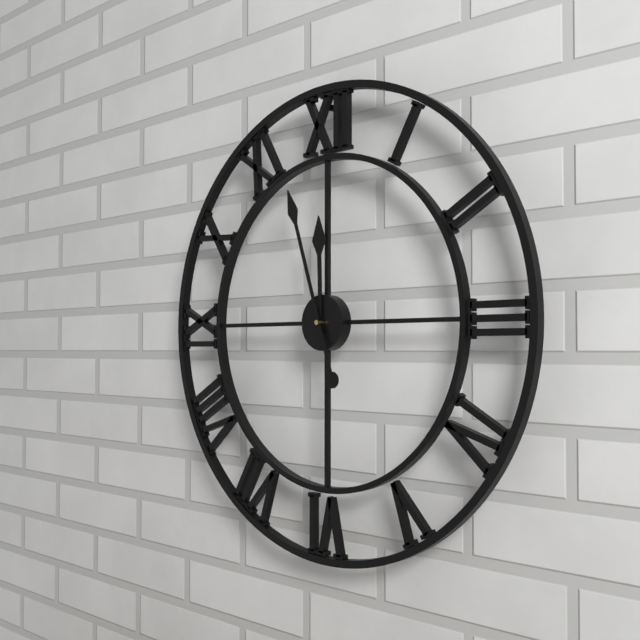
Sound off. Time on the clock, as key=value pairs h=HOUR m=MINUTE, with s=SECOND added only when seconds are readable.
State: h=11 m=57
